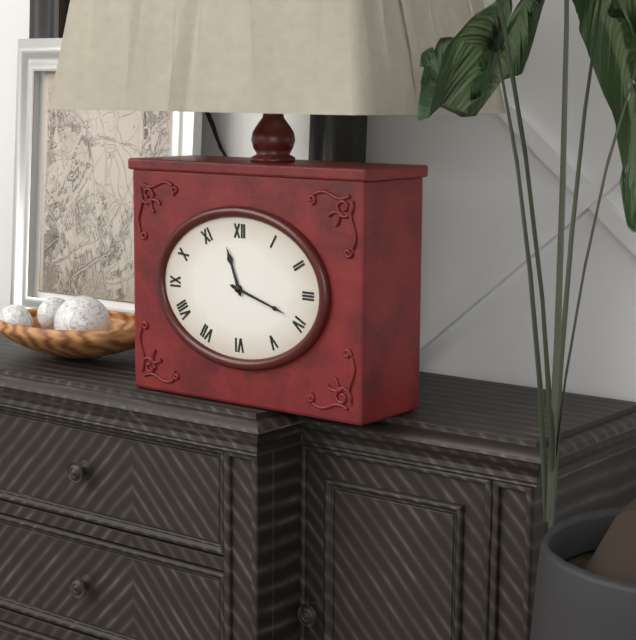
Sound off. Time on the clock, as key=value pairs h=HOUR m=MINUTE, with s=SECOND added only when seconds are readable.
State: h=11 m=18
